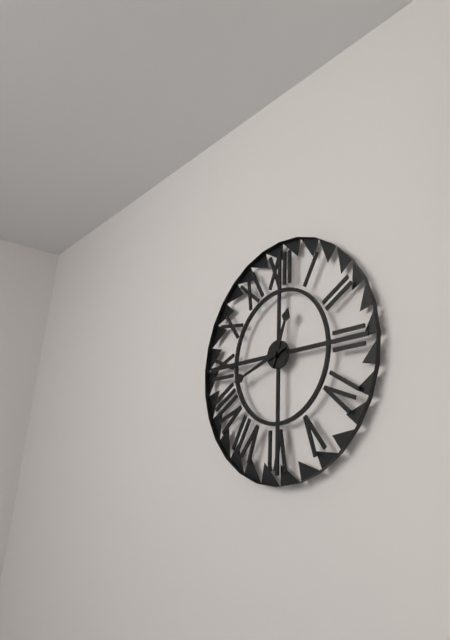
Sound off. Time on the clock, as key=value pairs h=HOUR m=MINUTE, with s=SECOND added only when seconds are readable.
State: h=12 m=42
